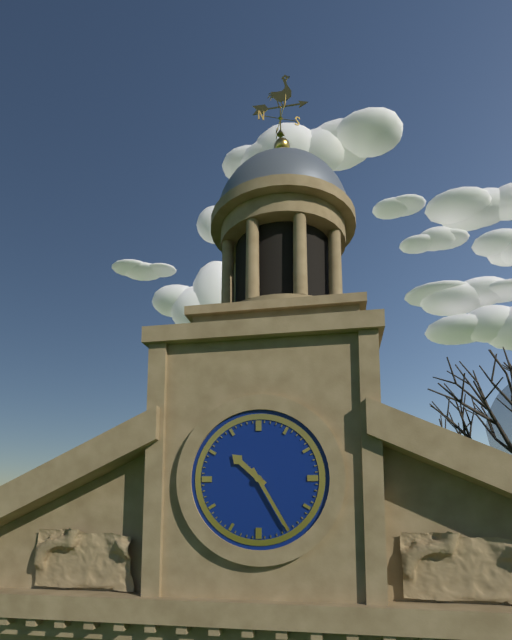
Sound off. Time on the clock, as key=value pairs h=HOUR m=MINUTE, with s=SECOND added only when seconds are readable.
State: h=10 m=25
